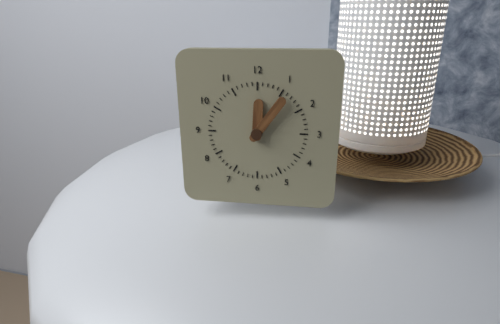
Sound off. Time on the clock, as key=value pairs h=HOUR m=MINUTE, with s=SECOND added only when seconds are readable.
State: h=12 m=6
